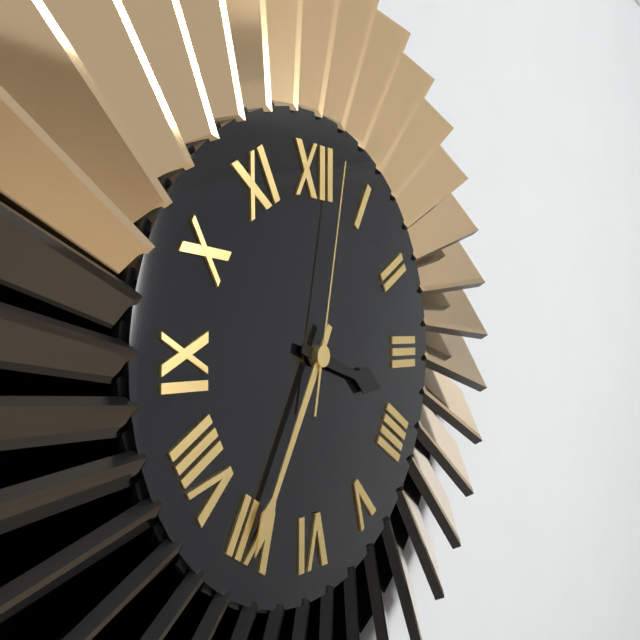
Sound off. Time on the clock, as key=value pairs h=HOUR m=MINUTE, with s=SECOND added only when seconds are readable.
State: h=3 m=35 s=2
